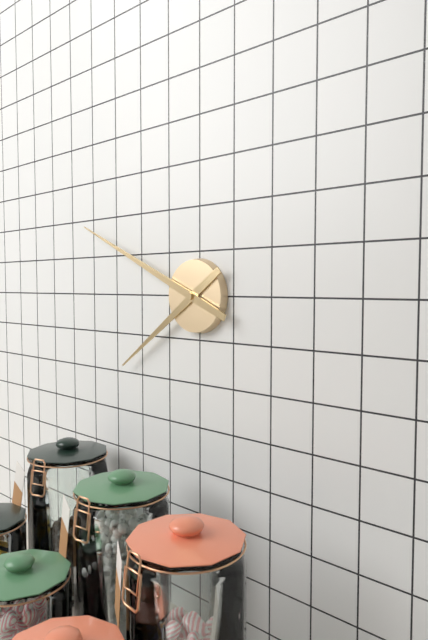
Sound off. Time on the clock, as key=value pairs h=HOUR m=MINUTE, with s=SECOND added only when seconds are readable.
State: h=7 m=49
